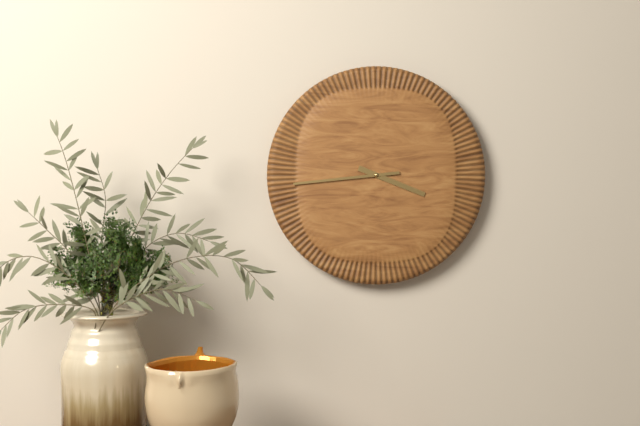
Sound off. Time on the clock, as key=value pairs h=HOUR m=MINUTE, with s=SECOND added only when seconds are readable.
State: h=3 m=44
